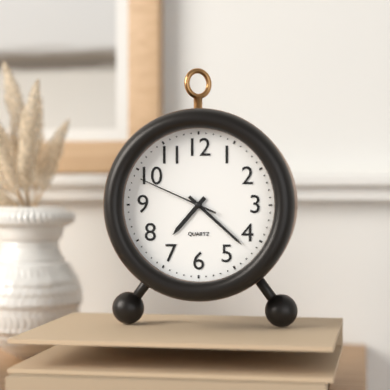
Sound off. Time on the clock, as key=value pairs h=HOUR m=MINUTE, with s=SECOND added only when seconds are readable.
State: h=7 m=22 s=49
